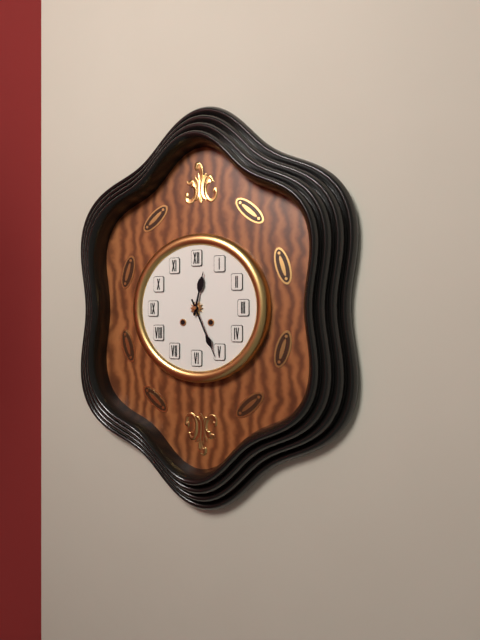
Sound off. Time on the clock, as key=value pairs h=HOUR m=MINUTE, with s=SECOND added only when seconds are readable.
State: h=12 m=26
